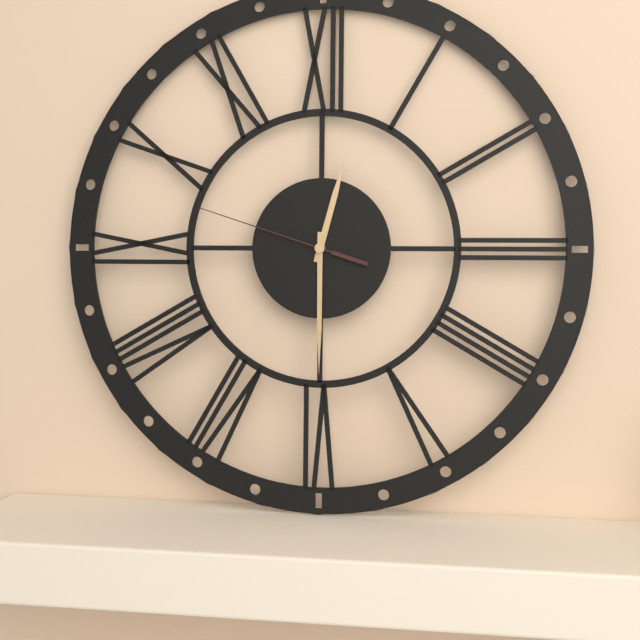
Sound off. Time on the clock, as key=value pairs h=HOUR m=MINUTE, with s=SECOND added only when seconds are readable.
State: h=12 m=30 s=48
